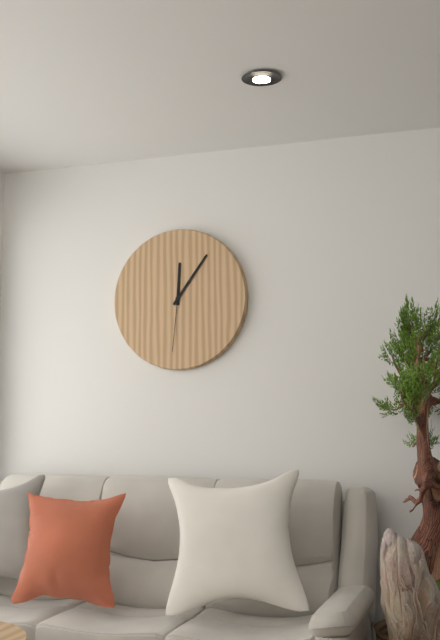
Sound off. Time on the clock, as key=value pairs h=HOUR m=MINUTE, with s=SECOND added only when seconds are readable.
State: h=12 m=6 s=31
